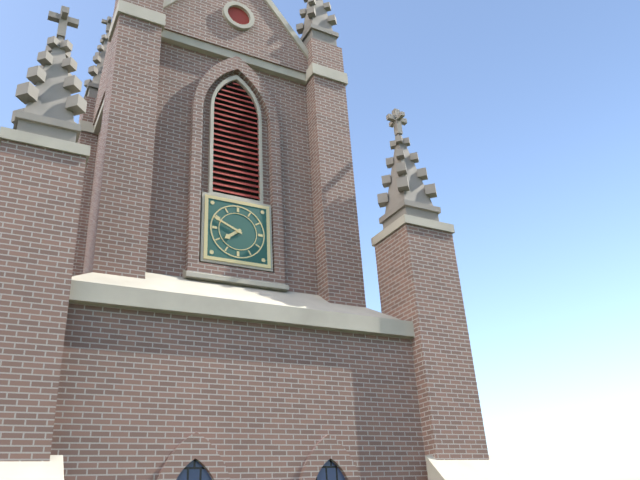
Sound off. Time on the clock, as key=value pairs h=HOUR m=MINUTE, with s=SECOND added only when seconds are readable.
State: h=7 m=49
